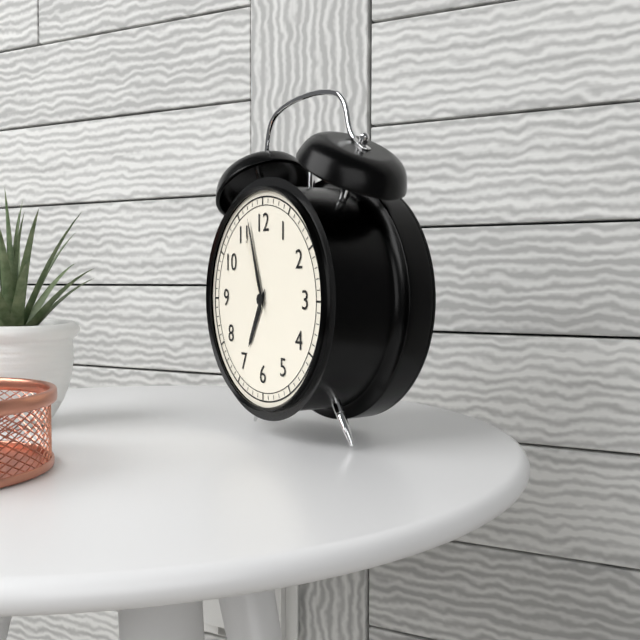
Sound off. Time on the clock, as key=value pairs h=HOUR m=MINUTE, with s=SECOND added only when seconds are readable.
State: h=6 m=57 s=56
